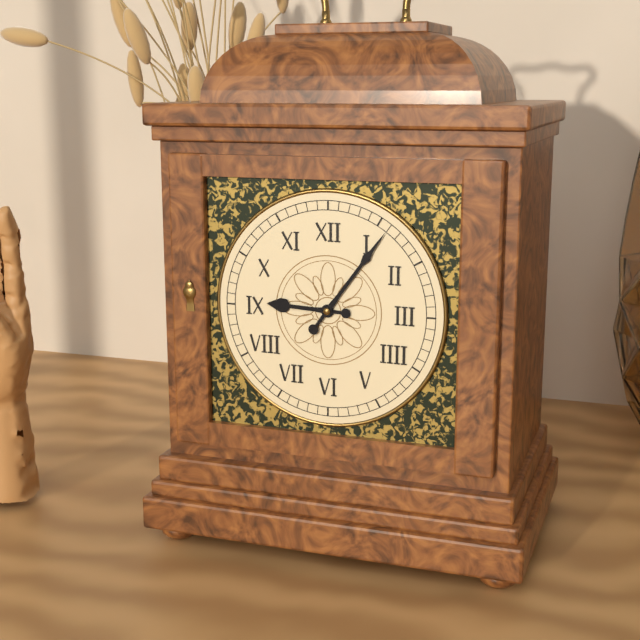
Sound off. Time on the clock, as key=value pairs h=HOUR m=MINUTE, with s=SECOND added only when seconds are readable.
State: h=9 m=6
